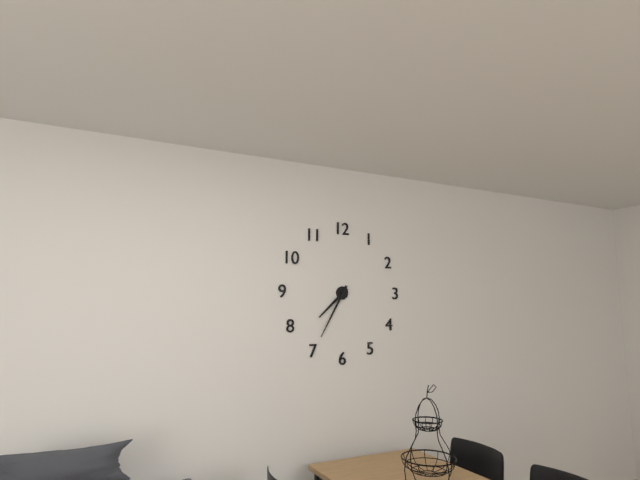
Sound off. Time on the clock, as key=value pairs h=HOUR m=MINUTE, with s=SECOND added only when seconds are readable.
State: h=7 m=35
